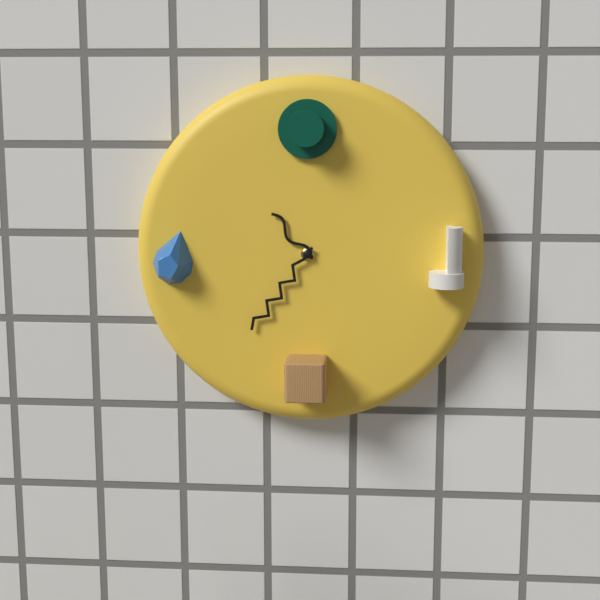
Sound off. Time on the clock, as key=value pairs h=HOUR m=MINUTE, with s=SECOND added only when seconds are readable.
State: h=10 m=36
